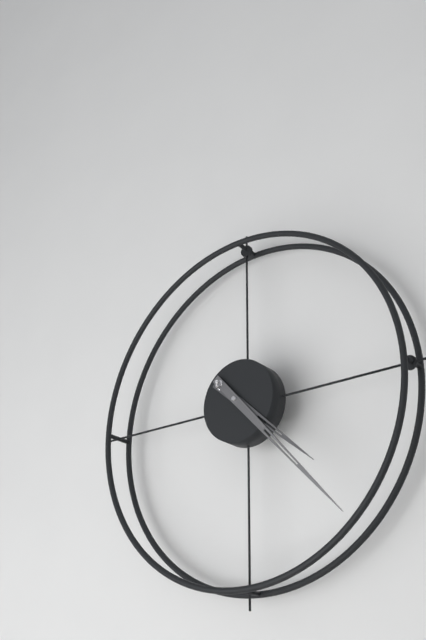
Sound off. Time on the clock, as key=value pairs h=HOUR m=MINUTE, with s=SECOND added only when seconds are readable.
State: h=4 m=23
